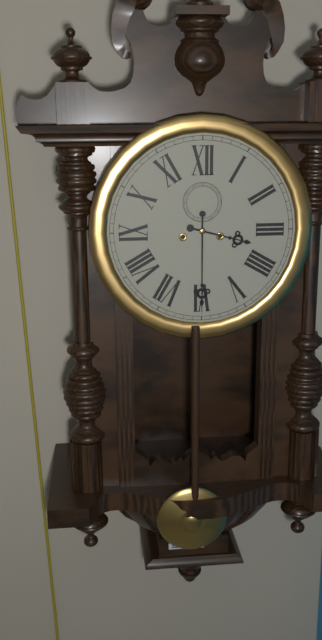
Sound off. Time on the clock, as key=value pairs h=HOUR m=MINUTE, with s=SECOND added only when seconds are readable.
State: h=3 m=30
